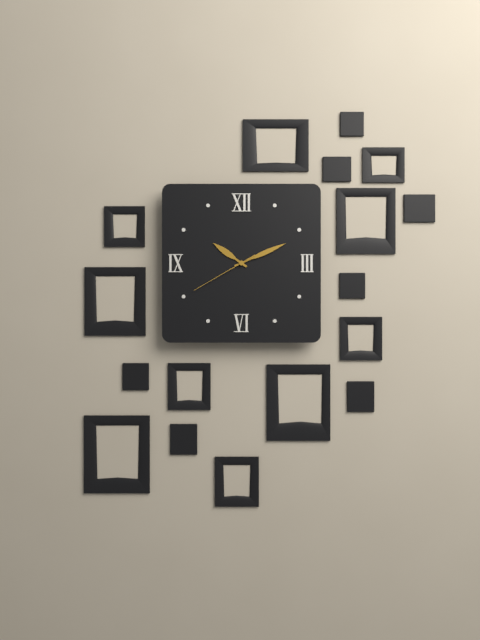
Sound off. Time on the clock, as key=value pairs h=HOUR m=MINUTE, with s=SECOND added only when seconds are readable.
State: h=10 m=11 s=40
